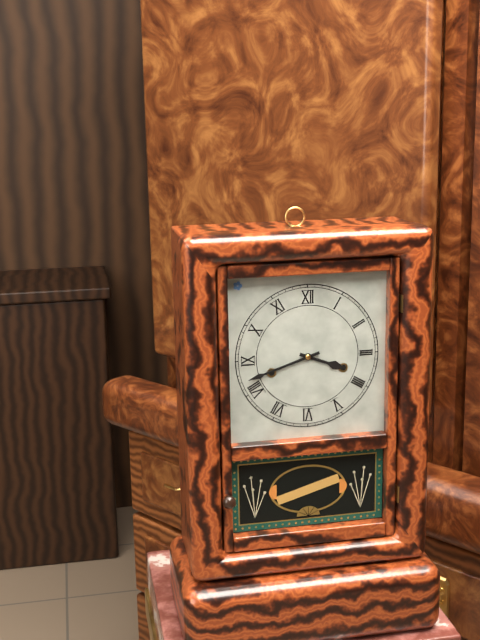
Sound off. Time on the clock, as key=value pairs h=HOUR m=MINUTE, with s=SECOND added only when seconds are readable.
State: h=3 m=42
